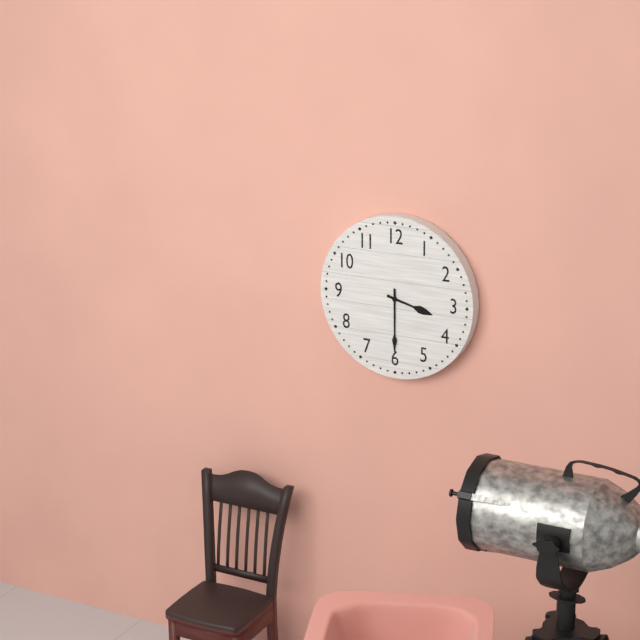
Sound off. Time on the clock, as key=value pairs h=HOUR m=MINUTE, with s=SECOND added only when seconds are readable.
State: h=3 m=30
